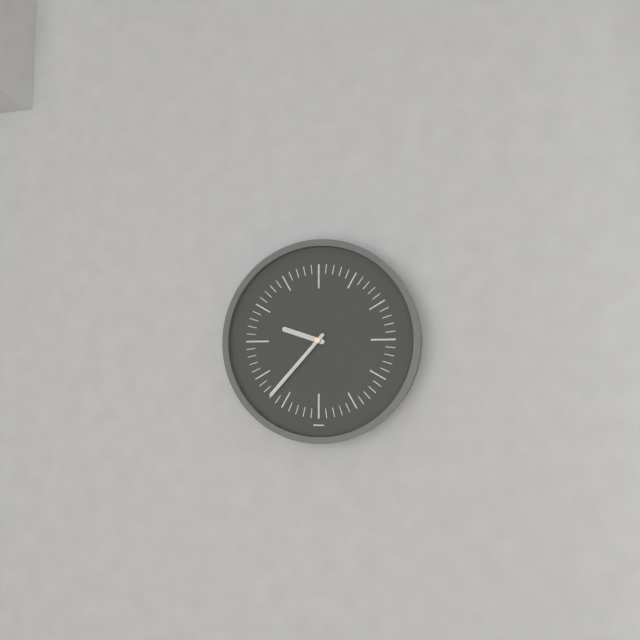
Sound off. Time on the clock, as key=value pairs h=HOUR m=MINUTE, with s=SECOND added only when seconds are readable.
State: h=9 m=37
